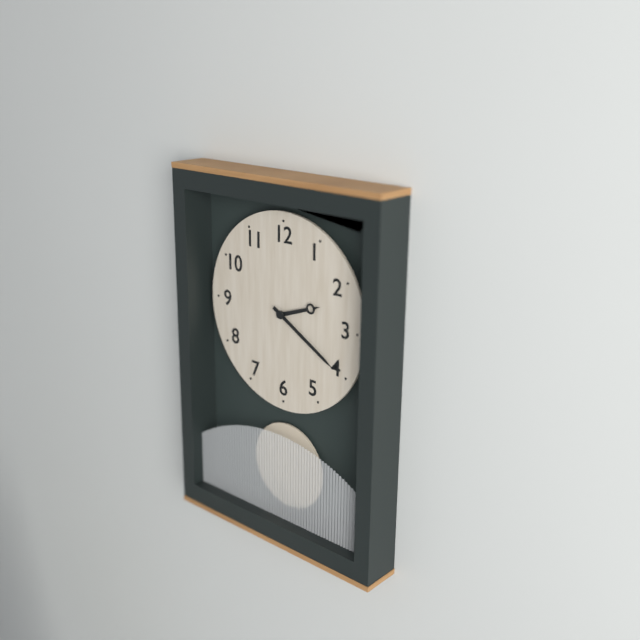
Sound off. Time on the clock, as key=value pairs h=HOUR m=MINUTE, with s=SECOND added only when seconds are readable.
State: h=2 m=20
